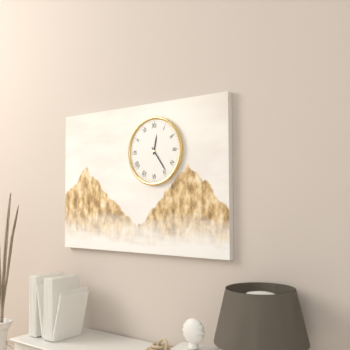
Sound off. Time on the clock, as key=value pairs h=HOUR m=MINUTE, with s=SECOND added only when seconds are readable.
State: h=12 m=24
